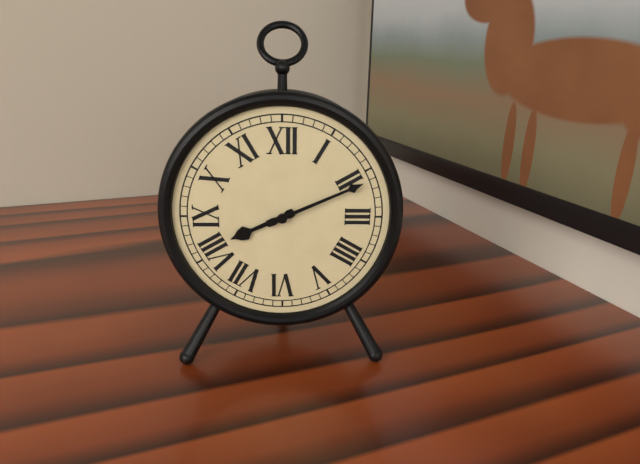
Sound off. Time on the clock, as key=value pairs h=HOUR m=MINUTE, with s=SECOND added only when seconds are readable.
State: h=8 m=11
